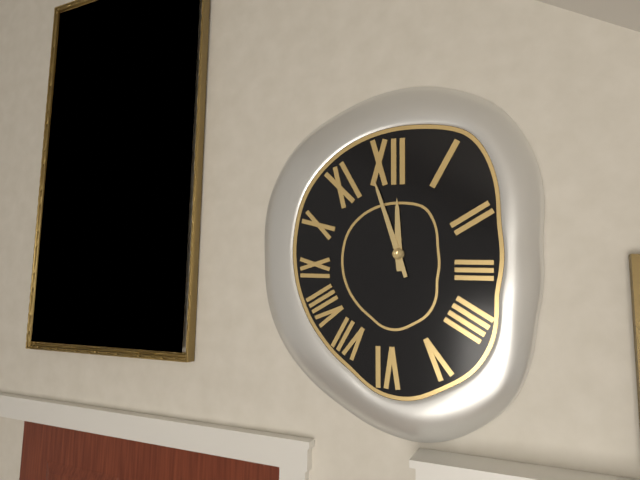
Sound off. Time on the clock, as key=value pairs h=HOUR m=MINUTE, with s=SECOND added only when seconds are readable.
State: h=11 m=57
